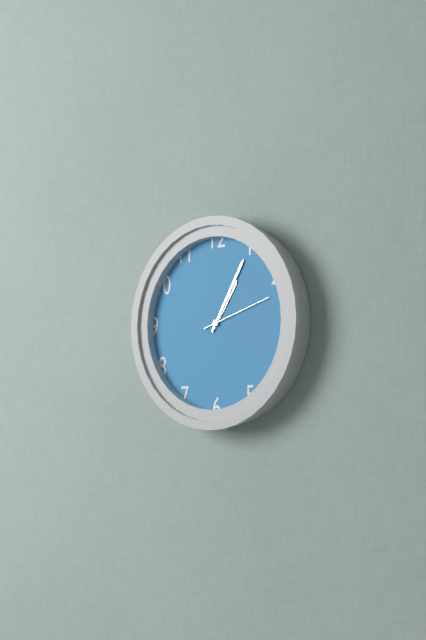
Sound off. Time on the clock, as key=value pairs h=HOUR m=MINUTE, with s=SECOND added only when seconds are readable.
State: h=1 m=5 s=12
